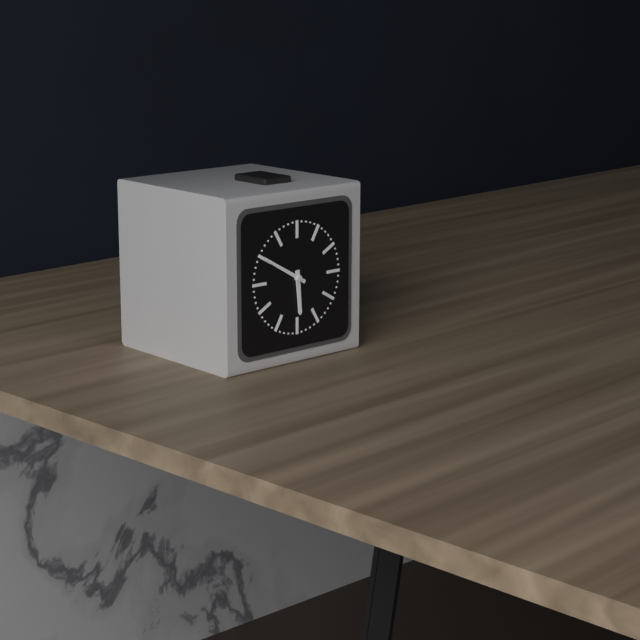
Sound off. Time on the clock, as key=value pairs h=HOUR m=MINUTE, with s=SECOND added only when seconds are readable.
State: h=5 m=50
